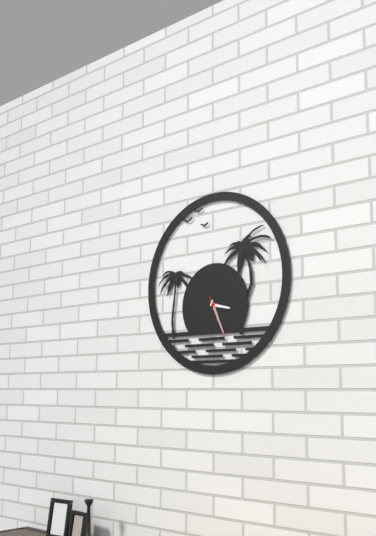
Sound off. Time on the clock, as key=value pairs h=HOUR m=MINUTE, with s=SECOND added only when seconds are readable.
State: h=3 m=26
